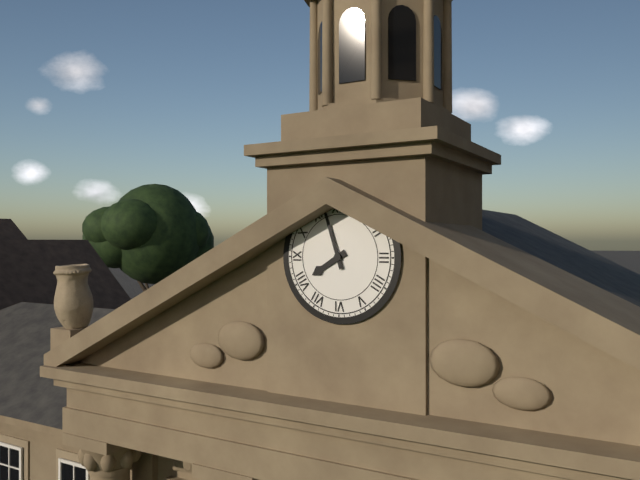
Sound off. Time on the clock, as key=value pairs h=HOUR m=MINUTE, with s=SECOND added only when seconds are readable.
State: h=7 m=57
